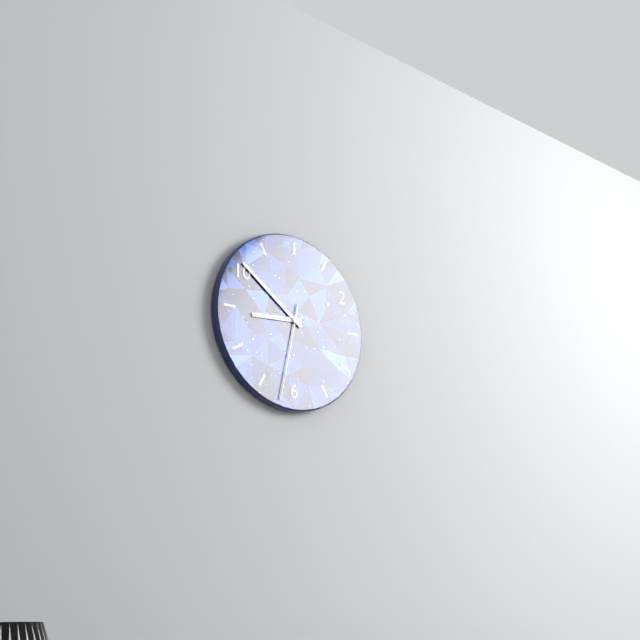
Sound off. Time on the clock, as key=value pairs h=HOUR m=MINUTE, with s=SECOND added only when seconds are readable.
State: h=8 m=51 s=32
